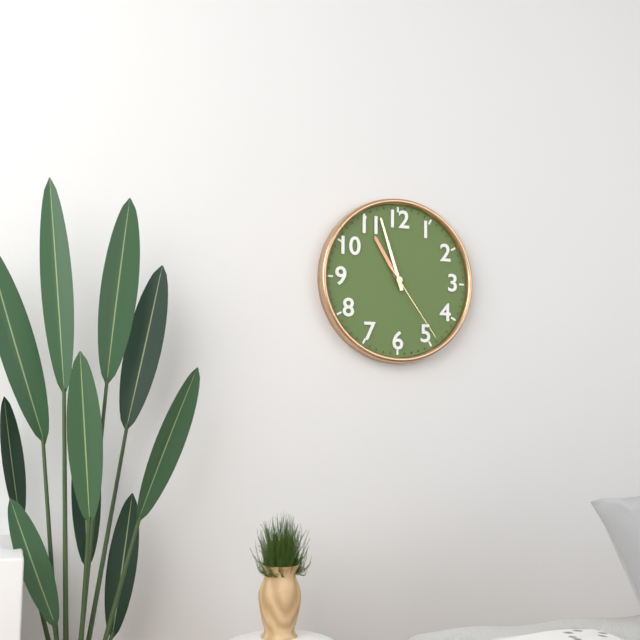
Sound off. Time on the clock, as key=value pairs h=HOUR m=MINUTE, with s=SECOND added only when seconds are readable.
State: h=10 m=57 s=24
